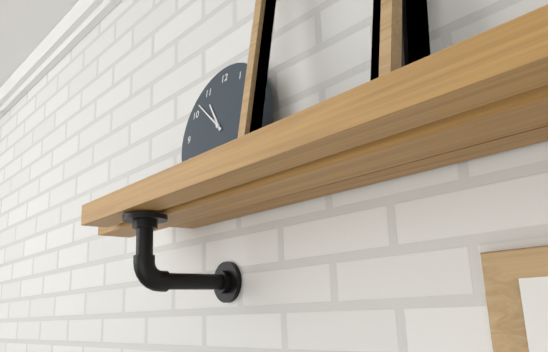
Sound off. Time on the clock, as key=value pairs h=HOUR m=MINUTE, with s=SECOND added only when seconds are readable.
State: h=10 m=52
